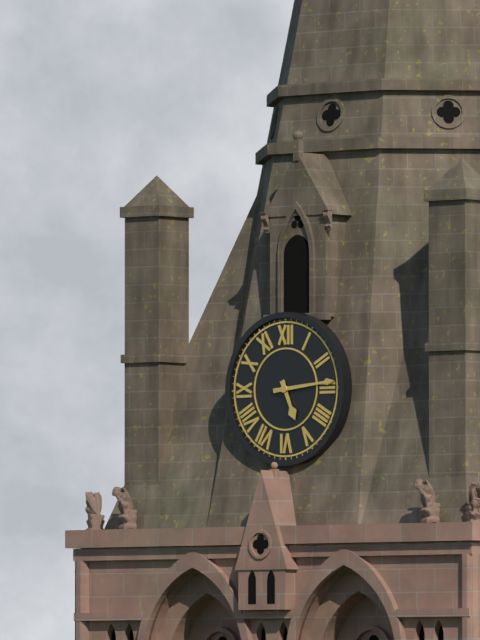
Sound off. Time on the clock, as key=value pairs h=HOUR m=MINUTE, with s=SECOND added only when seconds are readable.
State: h=5 m=14
